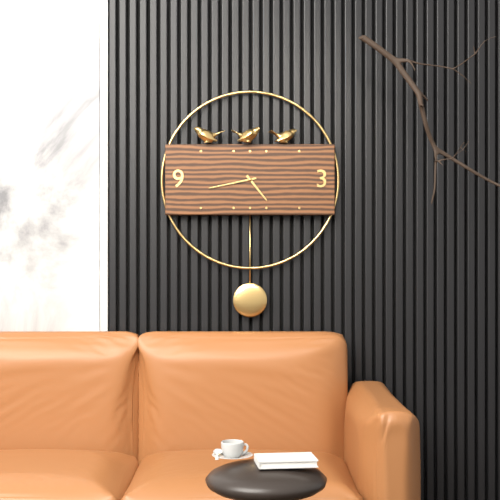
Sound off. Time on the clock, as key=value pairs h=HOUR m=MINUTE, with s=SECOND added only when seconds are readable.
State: h=4 m=43
